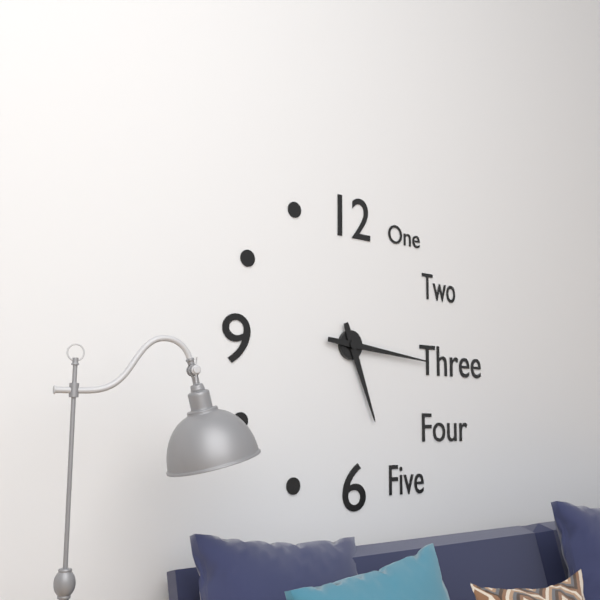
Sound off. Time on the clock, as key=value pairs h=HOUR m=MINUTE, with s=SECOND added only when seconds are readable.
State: h=5 m=16
